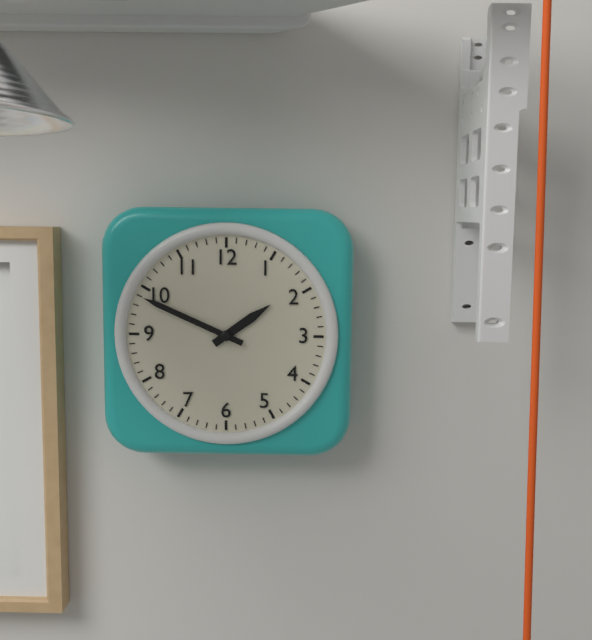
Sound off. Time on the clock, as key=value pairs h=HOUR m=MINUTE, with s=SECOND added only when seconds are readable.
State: h=1 m=49
